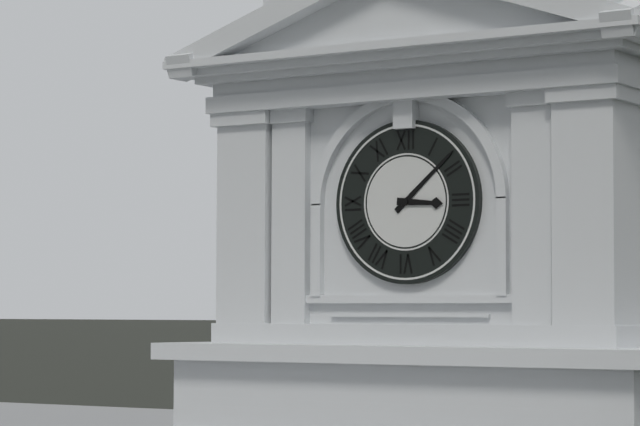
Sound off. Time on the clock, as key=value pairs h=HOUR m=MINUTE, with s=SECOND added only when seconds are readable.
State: h=3 m=8
